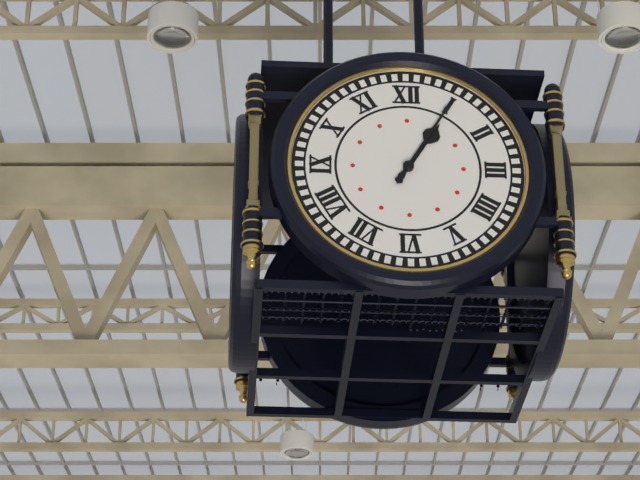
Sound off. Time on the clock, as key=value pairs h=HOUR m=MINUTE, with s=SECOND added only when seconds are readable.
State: h=1 m=5
